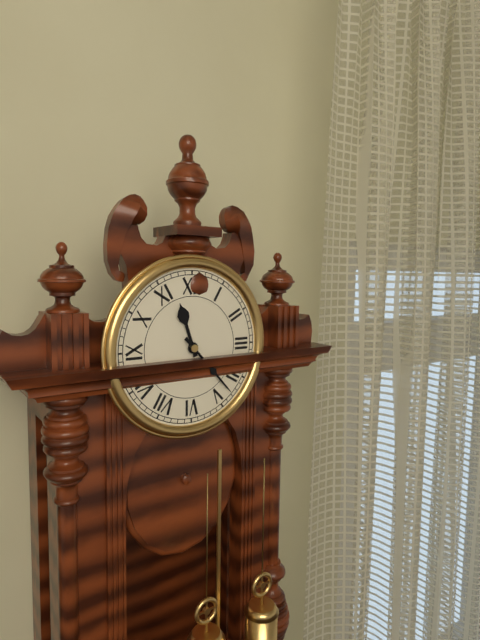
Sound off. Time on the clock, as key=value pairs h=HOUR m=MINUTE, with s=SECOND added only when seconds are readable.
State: h=11 m=23
